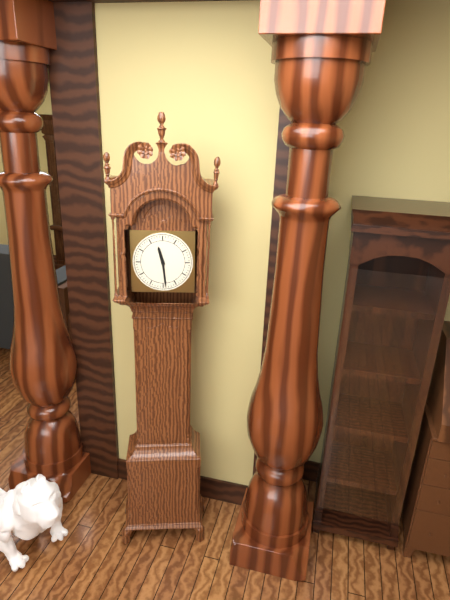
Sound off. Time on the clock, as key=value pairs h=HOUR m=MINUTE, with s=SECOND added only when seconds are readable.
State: h=11 m=29
